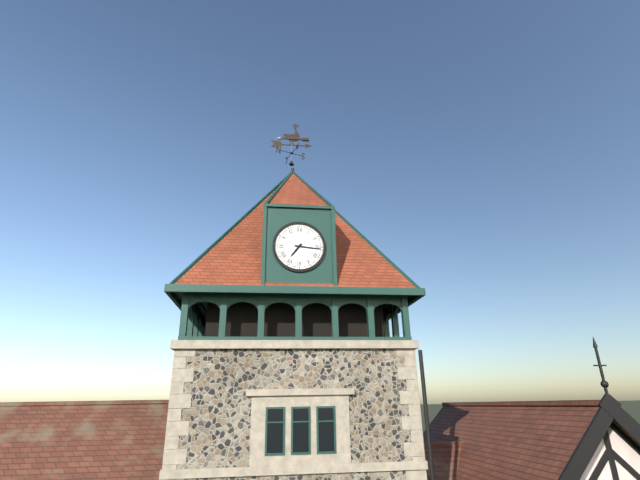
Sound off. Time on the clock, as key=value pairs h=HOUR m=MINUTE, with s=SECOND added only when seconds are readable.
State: h=7 m=16
